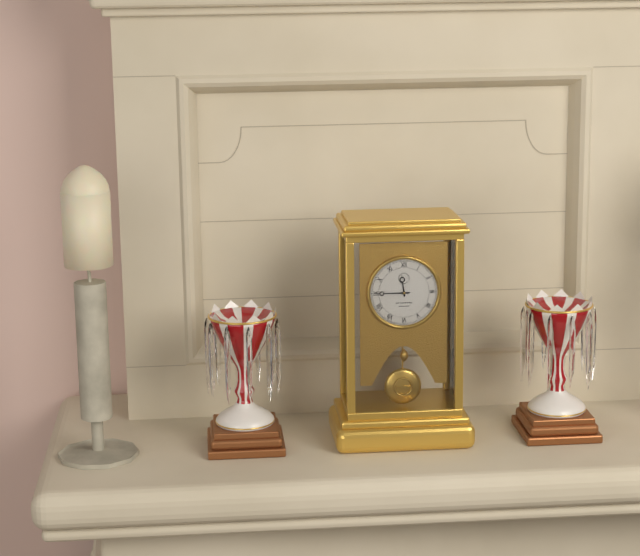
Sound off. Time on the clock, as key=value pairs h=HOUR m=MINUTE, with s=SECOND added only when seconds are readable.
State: h=11 m=45
